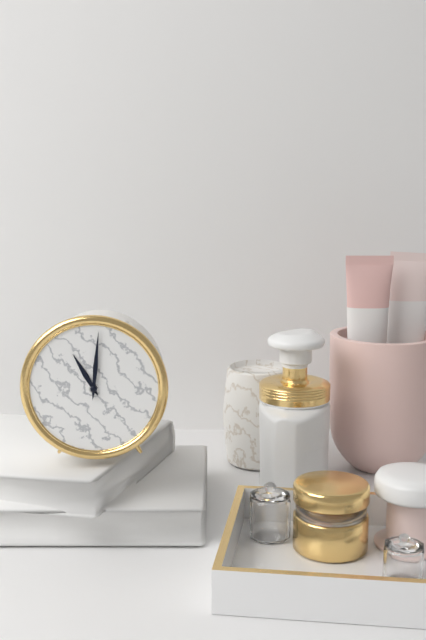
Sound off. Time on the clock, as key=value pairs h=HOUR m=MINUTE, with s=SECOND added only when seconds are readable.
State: h=11 m=1
